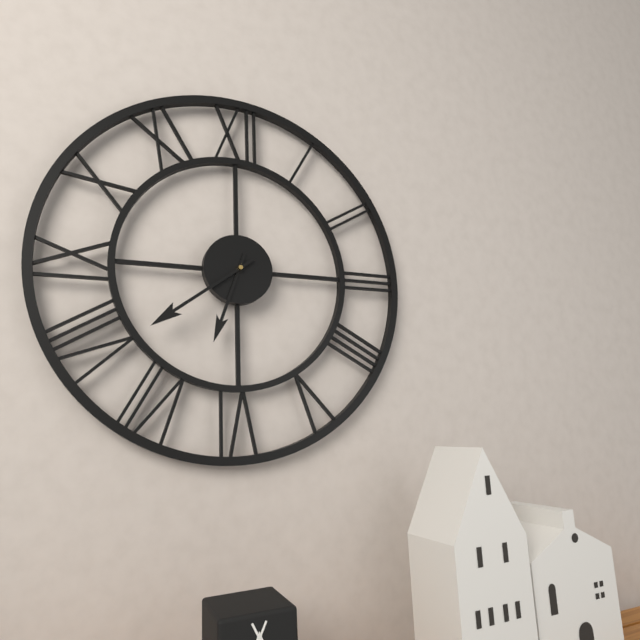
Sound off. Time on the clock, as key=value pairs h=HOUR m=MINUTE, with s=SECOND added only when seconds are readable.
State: h=6 m=39
